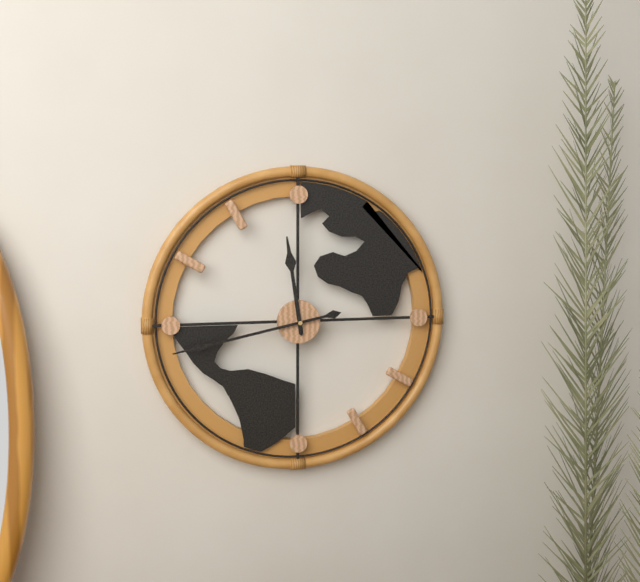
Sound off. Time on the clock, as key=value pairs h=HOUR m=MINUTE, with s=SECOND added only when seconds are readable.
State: h=11 m=43
